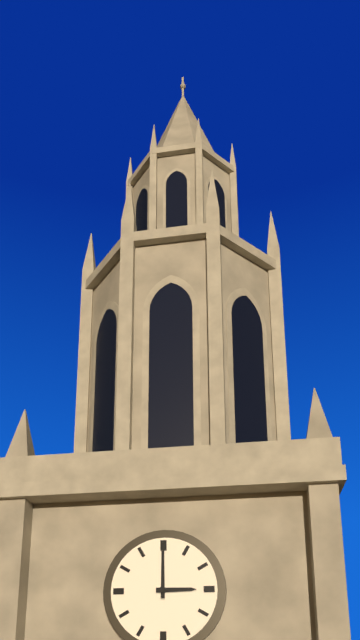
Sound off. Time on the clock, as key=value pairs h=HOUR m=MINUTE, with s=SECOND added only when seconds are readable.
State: h=3 m=0
